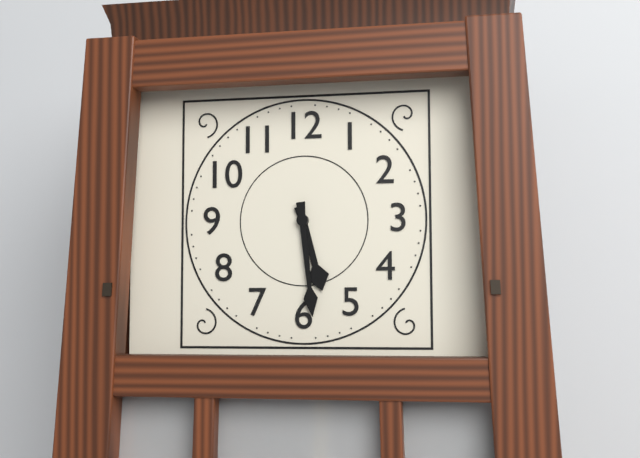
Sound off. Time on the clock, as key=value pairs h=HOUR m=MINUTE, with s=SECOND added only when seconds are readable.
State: h=5 m=29
